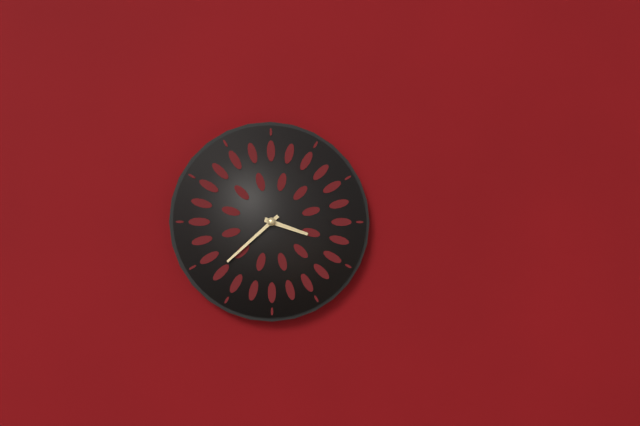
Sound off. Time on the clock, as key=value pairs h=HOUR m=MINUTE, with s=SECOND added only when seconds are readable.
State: h=3 m=38
